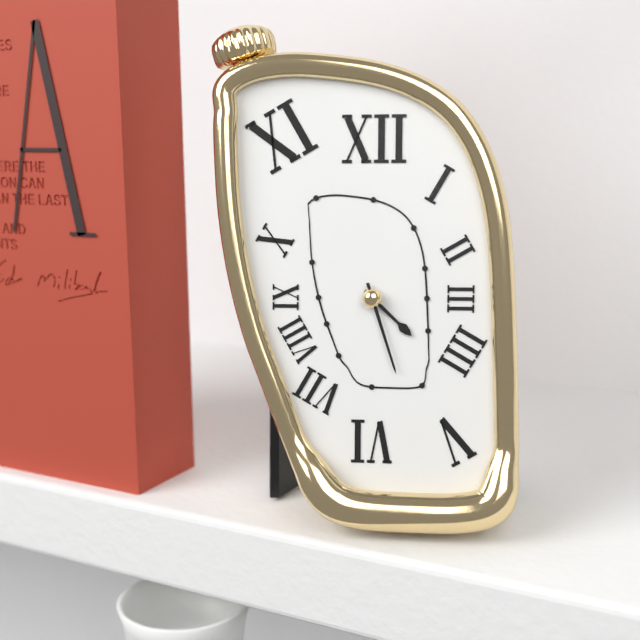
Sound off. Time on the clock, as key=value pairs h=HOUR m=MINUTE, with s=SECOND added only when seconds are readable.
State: h=4 m=27
